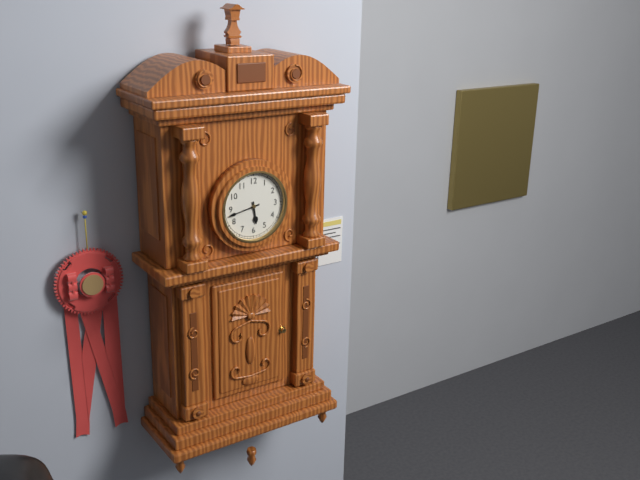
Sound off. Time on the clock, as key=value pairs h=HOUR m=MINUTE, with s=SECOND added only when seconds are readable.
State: h=5 m=43
